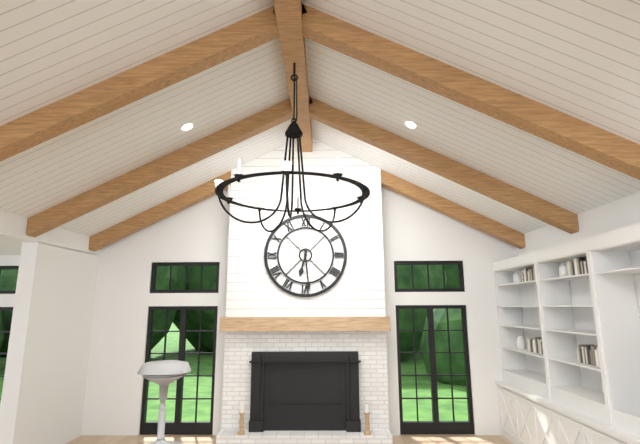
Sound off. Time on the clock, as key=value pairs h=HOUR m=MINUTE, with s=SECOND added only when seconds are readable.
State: h=6 m=29
